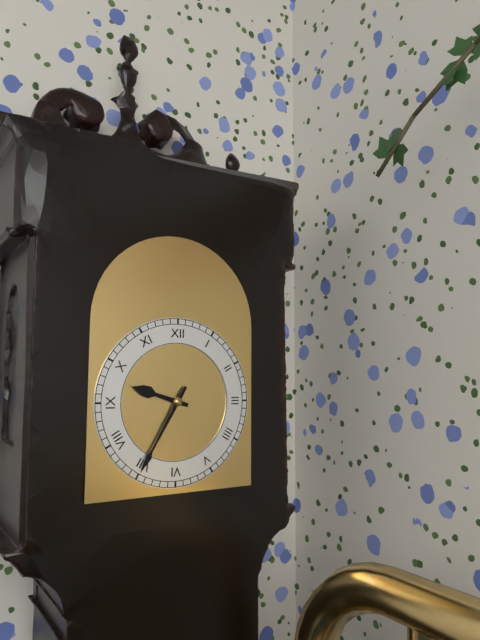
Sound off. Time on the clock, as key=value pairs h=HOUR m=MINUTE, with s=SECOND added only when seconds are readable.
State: h=9 m=35
